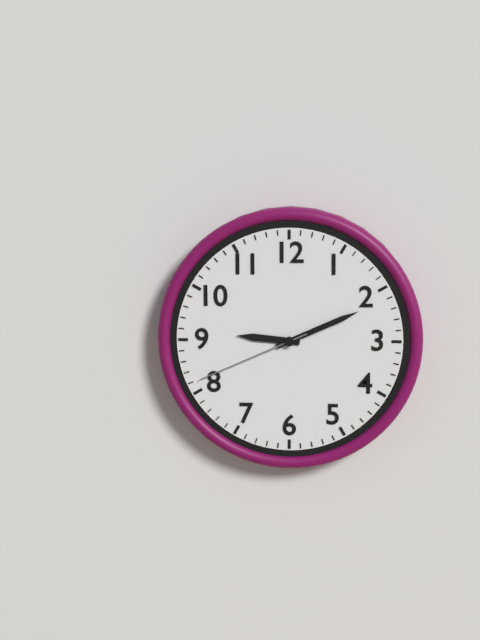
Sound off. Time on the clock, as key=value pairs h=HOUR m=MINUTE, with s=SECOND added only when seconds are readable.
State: h=9 m=11 s=41
